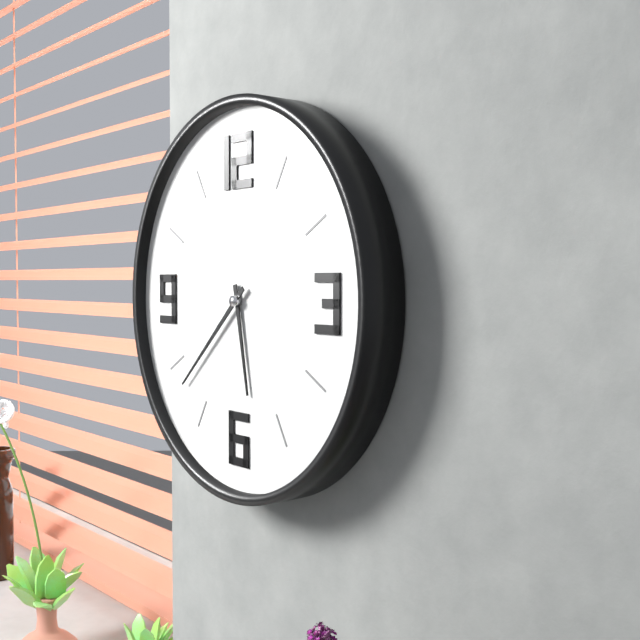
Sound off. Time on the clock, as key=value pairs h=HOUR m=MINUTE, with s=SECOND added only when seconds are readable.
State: h=5 m=38
